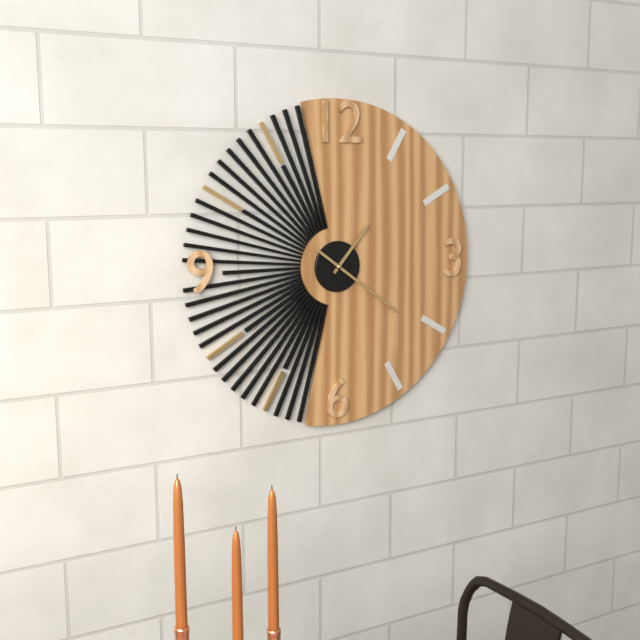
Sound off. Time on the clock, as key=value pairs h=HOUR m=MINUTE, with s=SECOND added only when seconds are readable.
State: h=1 m=21
